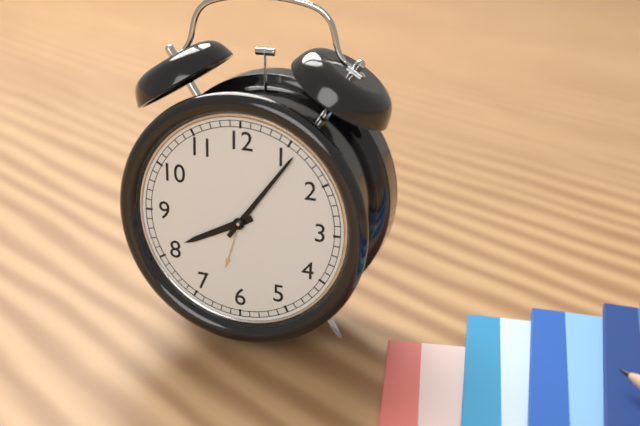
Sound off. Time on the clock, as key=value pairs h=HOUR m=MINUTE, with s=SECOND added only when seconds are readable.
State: h=8 m=6
